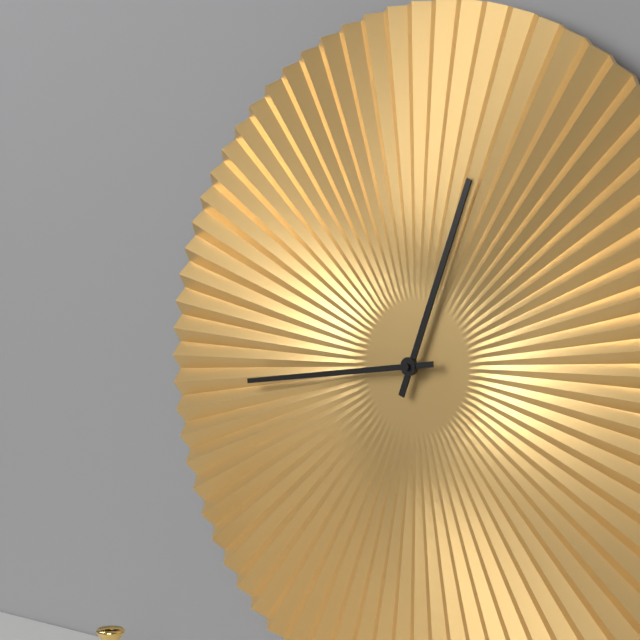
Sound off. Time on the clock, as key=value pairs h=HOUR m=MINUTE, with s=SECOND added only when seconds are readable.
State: h=12 m=44
